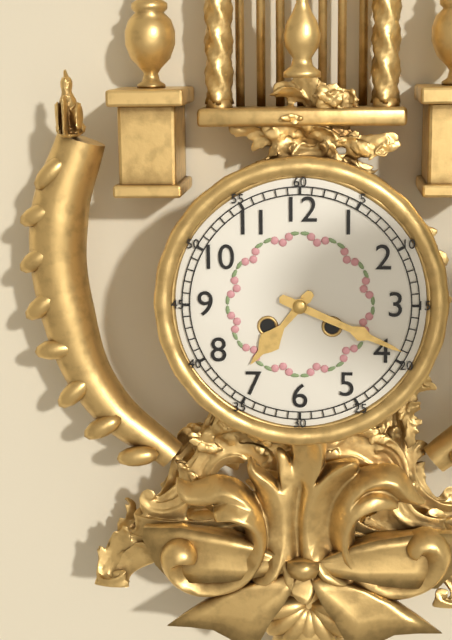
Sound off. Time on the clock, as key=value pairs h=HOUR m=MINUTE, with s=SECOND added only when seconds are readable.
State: h=7 m=19
